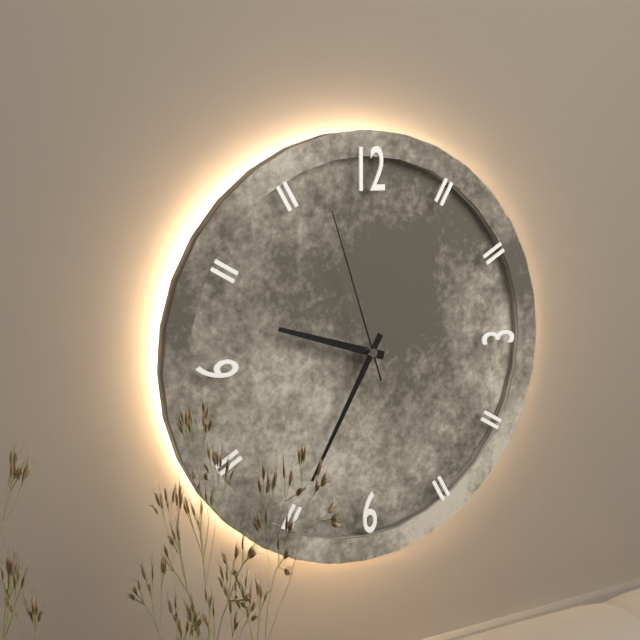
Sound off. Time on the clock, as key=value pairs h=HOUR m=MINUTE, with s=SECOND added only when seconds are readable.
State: h=9 m=35 s=57
